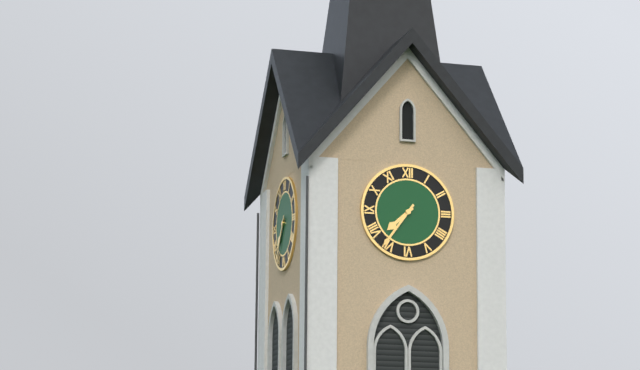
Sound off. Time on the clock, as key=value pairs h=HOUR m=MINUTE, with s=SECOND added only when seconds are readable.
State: h=7 m=36
